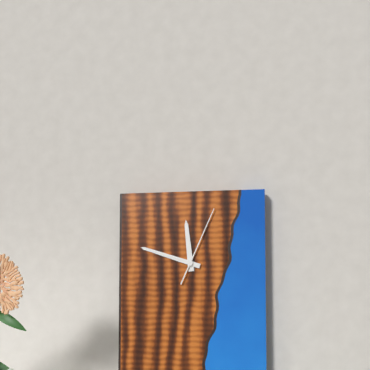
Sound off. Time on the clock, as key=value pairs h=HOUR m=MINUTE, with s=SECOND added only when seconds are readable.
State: h=11 m=48 s=4
